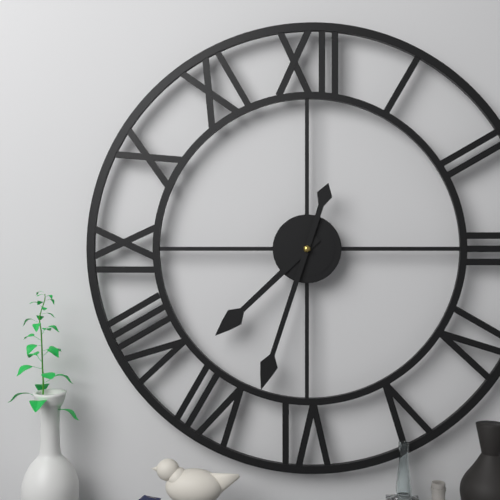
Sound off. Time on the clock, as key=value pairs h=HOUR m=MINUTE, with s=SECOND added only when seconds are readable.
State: h=7 m=33
